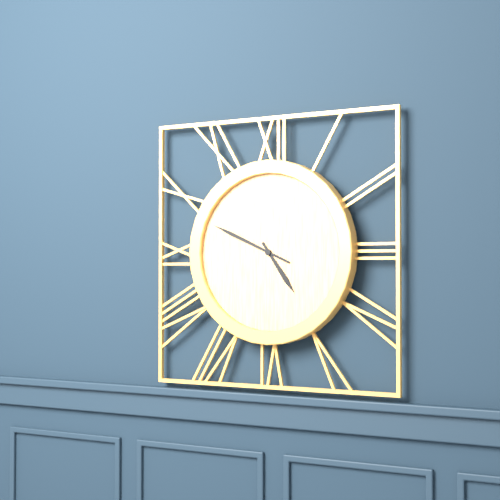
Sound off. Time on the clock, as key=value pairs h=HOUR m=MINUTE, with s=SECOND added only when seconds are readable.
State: h=4 m=49
